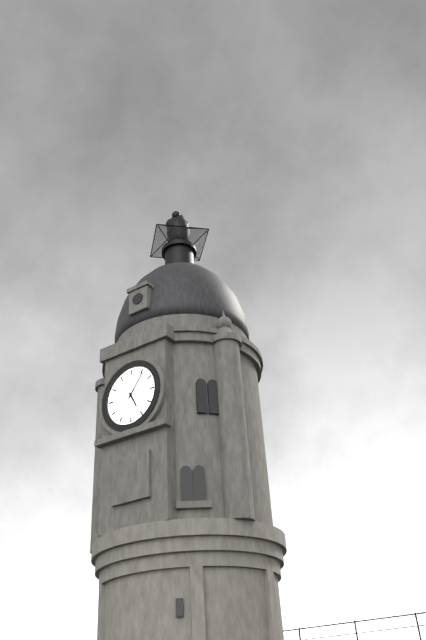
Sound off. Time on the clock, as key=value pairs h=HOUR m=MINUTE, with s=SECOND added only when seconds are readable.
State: h=5 m=6
